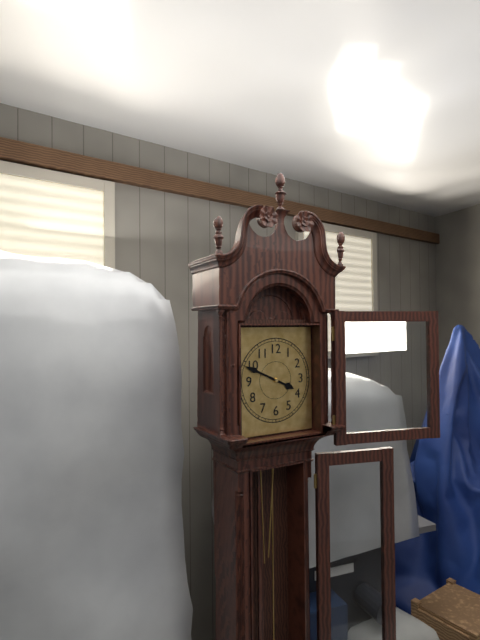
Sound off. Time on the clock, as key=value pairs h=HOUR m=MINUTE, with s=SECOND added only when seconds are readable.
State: h=3 m=49
